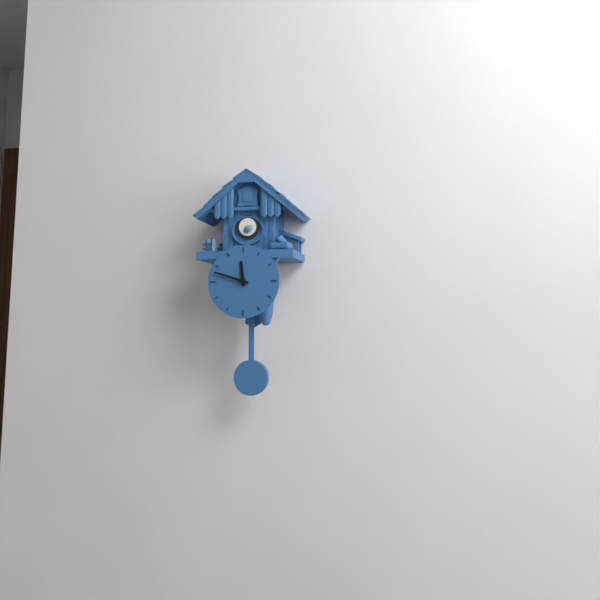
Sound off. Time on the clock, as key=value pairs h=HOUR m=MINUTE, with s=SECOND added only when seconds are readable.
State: h=11 m=48
